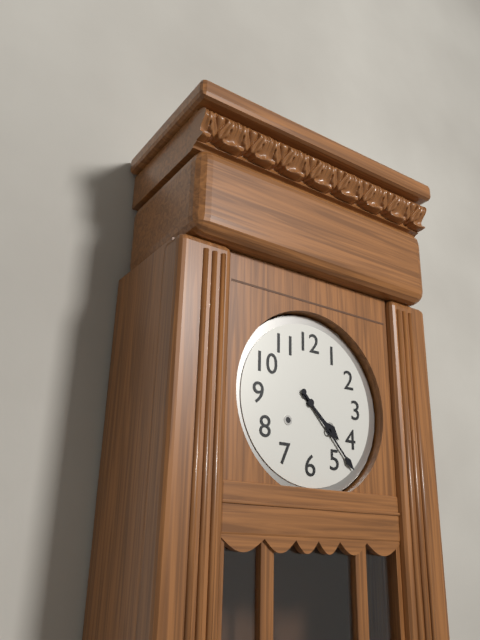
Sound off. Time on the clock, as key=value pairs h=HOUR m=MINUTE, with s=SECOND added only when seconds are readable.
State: h=4 m=23
